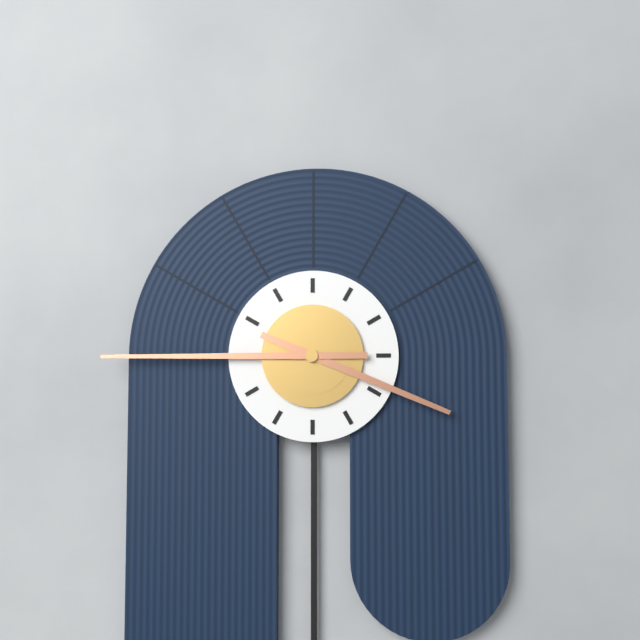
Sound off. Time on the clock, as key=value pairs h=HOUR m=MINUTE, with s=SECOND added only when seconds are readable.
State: h=3 m=45
